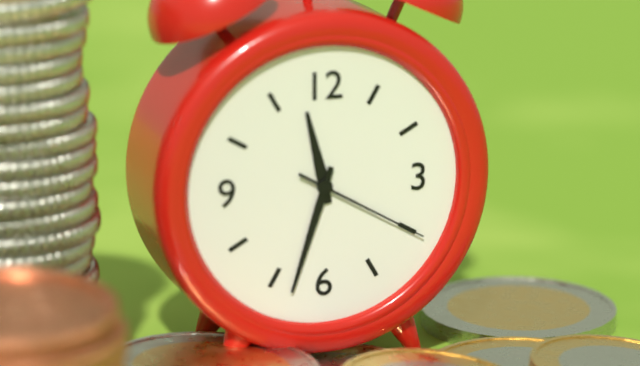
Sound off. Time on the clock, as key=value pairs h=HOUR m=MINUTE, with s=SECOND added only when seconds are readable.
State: h=11 m=33 s=20
